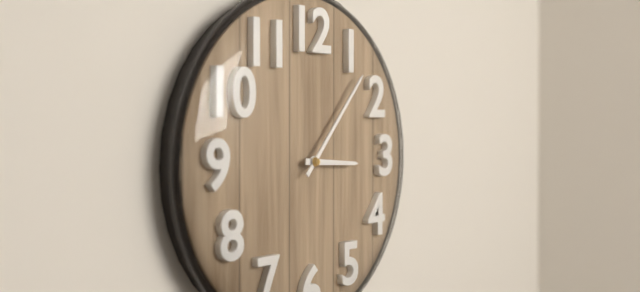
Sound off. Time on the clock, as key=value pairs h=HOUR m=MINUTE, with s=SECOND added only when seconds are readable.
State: h=3 m=7
